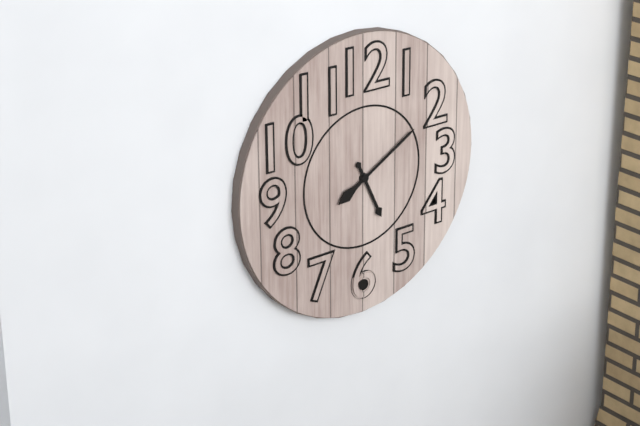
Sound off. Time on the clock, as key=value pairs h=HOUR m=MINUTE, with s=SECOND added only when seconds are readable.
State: h=5 m=10
